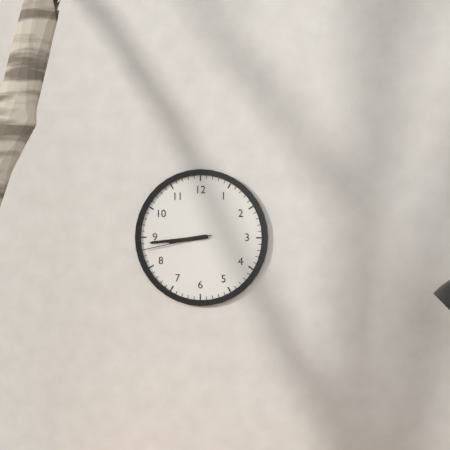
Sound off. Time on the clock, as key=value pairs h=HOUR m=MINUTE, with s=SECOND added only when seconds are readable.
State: h=8 m=44 s=43
